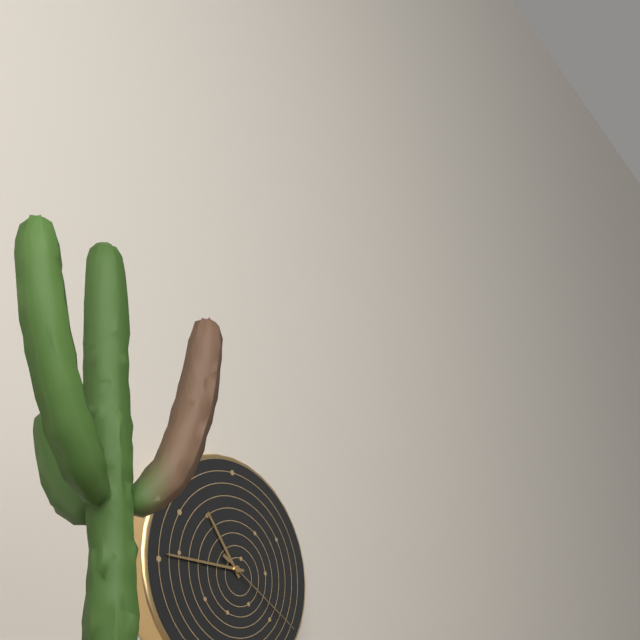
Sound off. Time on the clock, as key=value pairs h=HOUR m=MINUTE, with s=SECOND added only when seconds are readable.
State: h=10 m=45 s=20
